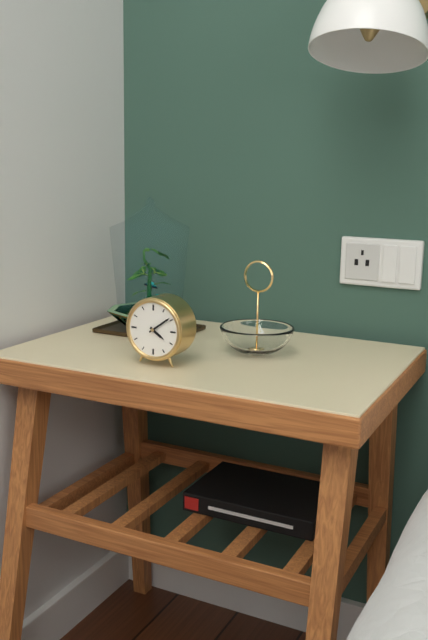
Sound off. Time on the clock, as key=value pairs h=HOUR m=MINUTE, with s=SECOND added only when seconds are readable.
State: h=4 m=9
